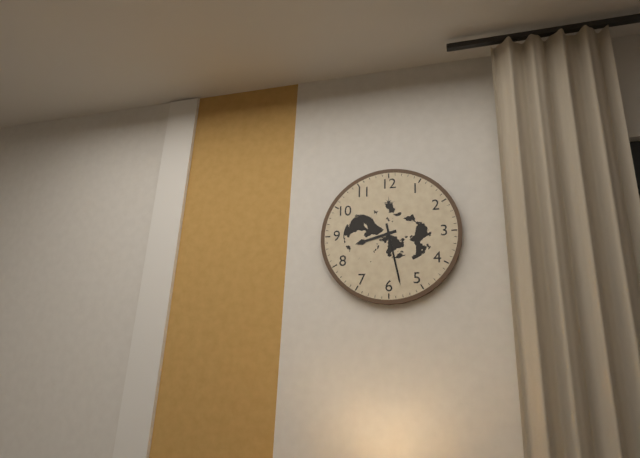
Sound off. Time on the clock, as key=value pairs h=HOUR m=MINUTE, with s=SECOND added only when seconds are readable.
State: h=8 m=28
